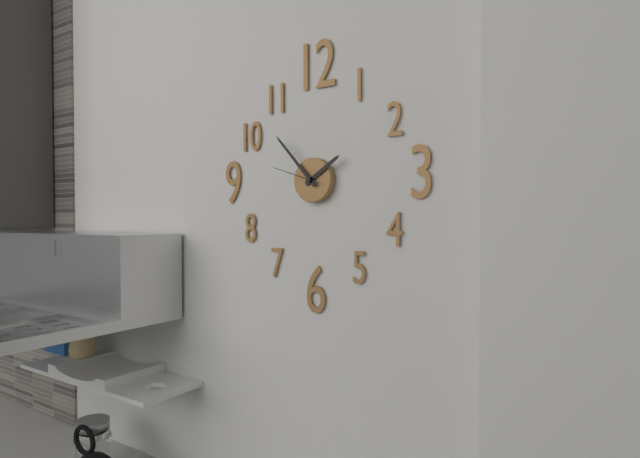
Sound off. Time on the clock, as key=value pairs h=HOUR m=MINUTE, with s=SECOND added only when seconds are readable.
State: h=1 m=53
